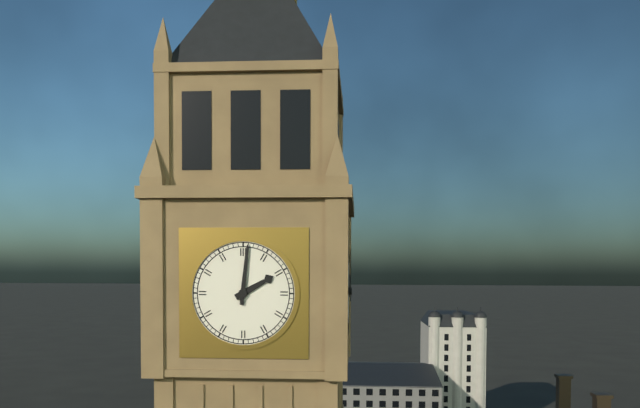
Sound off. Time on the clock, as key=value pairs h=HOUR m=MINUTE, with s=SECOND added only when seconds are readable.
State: h=2 m=1
